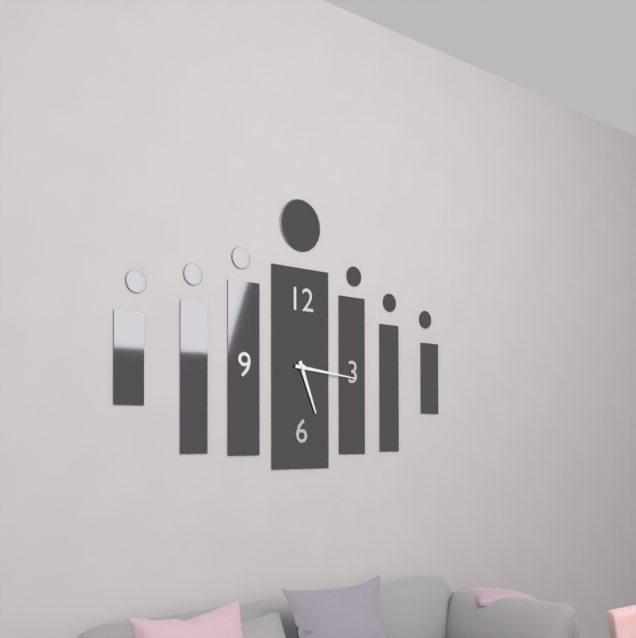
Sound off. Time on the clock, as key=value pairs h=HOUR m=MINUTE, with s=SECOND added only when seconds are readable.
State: h=5 m=16
